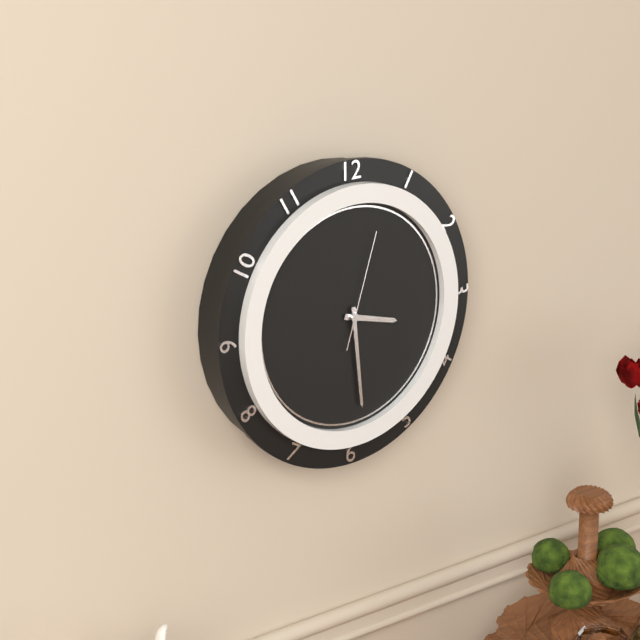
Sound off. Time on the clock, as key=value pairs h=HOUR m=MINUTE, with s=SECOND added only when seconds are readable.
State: h=3 m=29 s=3
